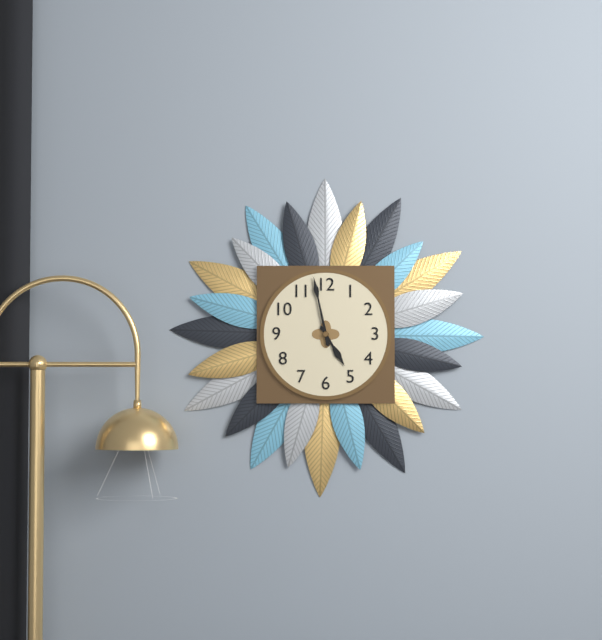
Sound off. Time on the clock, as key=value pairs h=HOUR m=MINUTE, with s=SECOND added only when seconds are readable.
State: h=4 m=58
